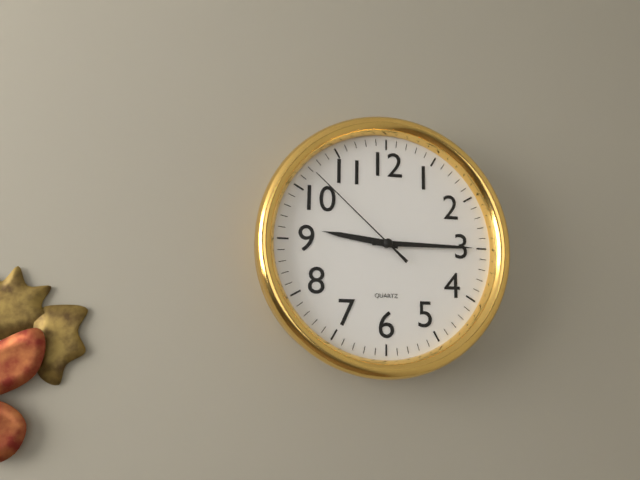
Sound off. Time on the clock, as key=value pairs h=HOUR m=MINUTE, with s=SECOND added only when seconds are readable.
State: h=9 m=15 s=52
